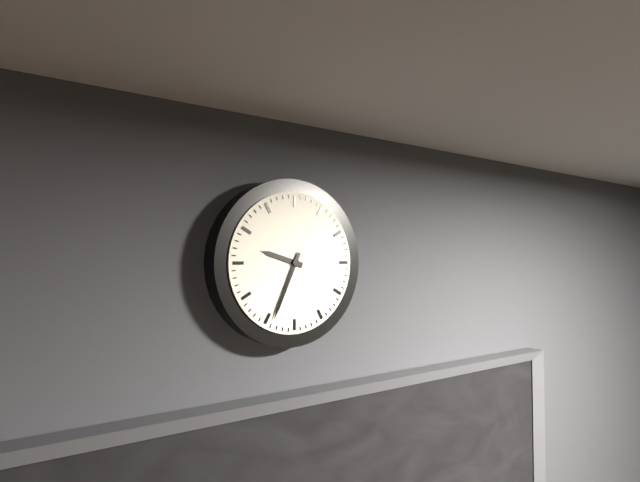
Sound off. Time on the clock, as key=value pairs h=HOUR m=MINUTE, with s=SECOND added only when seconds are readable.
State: h=9 m=34
